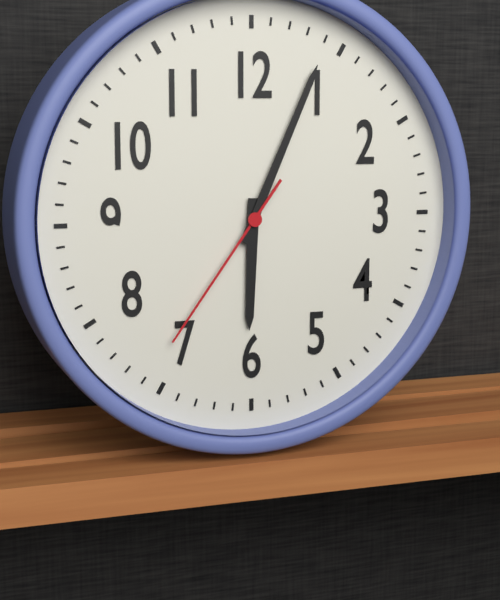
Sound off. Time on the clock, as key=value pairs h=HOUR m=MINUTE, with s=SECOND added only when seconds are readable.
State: h=6 m=4 s=36
